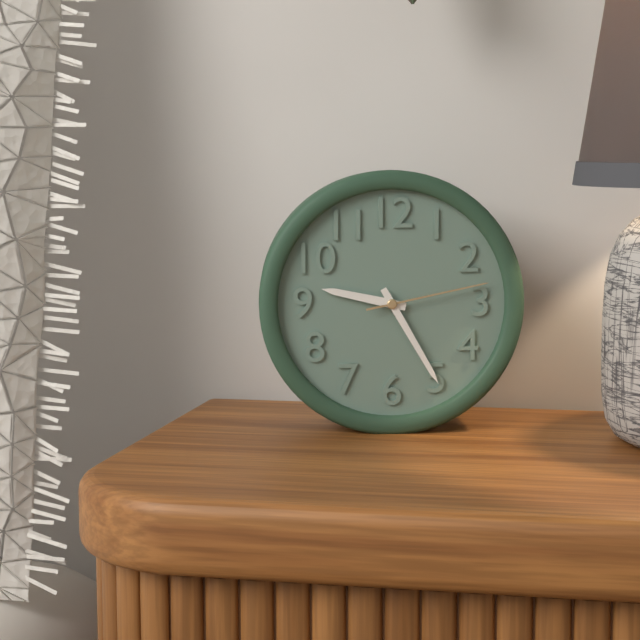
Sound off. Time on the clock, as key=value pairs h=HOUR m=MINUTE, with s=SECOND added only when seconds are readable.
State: h=9 m=25 s=13
